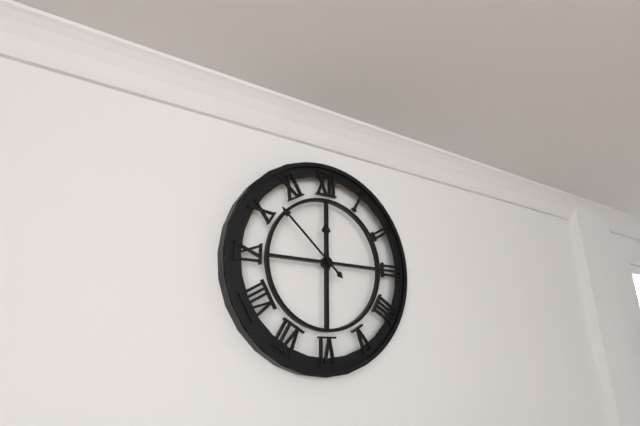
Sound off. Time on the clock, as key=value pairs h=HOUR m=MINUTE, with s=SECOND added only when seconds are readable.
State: h=11 m=52
